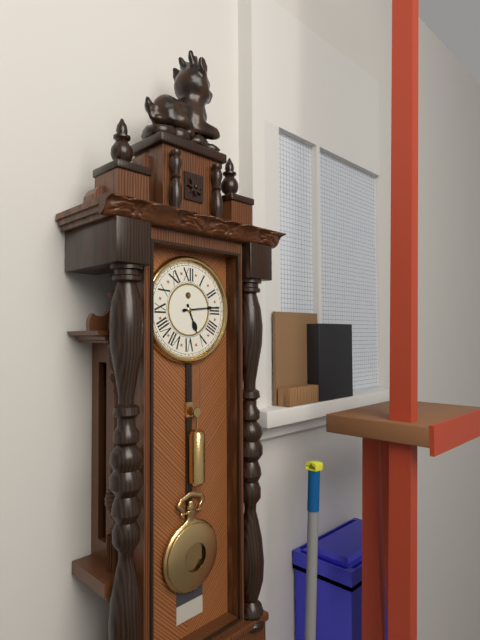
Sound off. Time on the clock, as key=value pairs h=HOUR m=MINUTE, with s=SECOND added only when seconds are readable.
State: h=5 m=14
